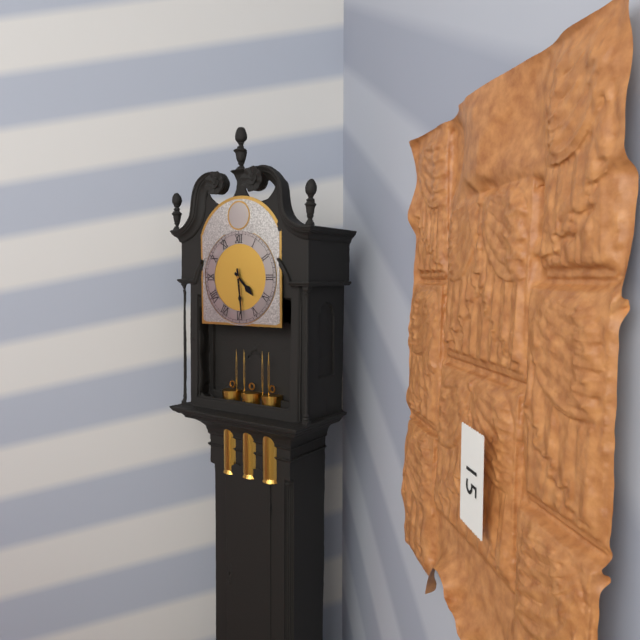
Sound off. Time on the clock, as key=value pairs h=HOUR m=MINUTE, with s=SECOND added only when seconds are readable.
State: h=4 m=29
